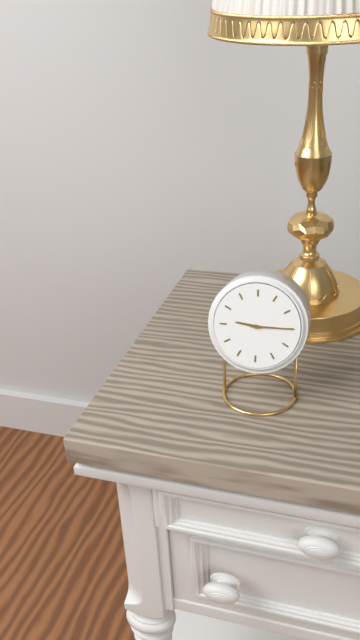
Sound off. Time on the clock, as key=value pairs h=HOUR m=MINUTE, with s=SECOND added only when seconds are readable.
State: h=9 m=15
